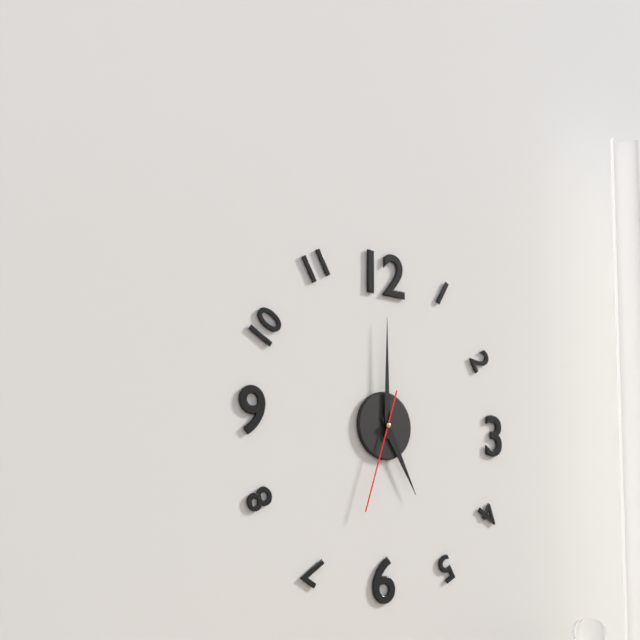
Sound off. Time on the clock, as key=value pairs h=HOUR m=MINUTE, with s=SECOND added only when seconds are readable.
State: h=5 m=0 s=33
